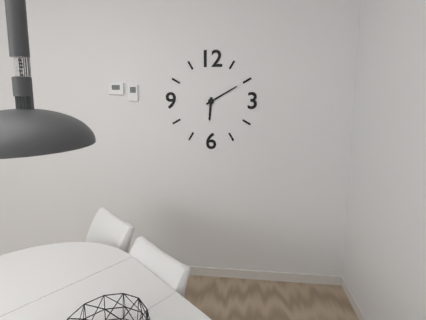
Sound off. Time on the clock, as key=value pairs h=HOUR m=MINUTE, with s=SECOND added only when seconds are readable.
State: h=6 m=10
